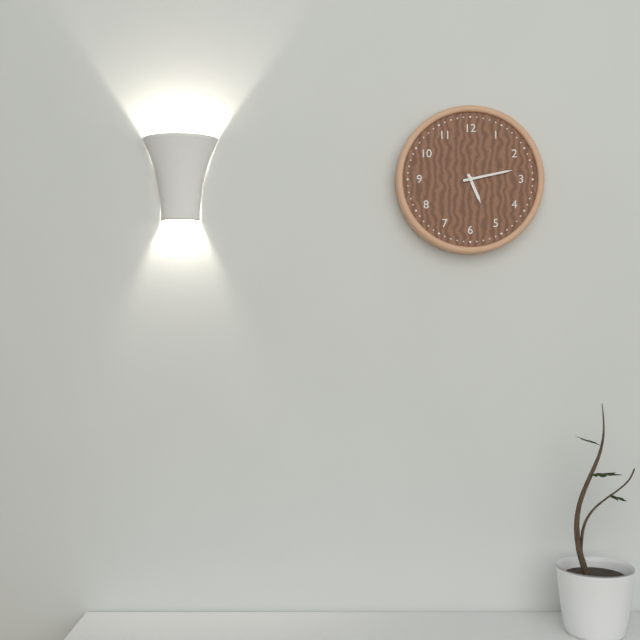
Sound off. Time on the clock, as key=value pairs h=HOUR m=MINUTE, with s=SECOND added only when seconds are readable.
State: h=5 m=13
